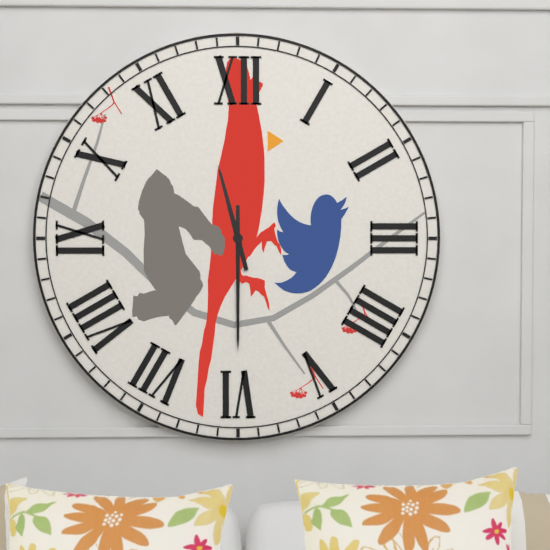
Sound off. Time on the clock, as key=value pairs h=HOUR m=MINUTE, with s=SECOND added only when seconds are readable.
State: h=11 m=30
